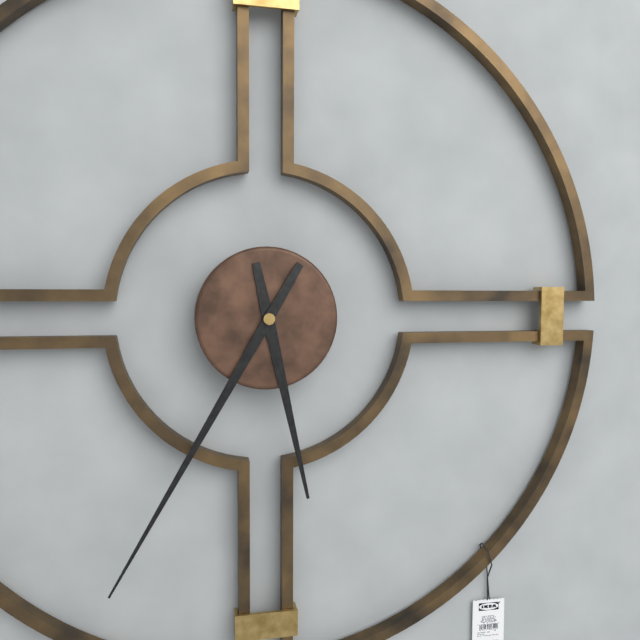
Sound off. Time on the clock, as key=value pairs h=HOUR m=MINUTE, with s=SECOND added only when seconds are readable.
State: h=5 m=35
